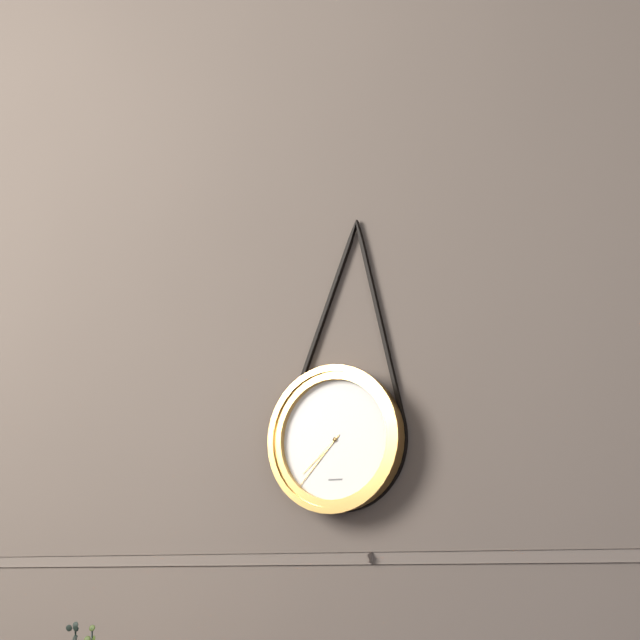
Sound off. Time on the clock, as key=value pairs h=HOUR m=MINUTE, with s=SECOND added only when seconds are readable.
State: h=7 m=37
